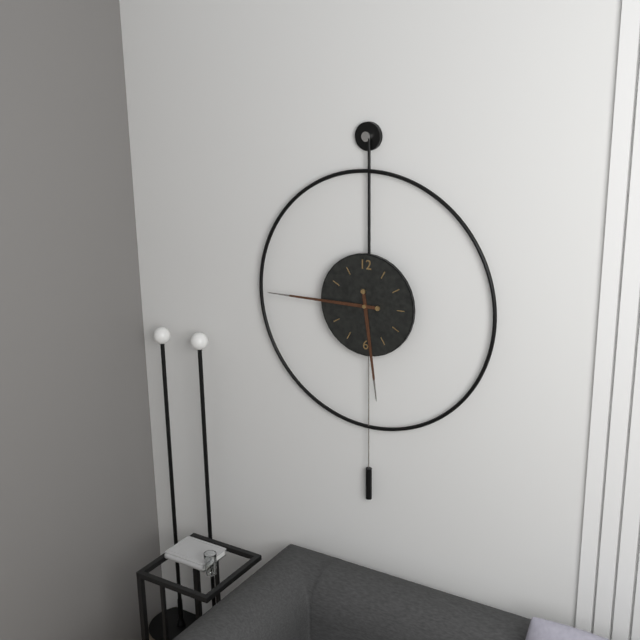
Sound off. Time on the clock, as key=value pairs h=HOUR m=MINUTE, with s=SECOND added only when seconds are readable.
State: h=5 m=45
